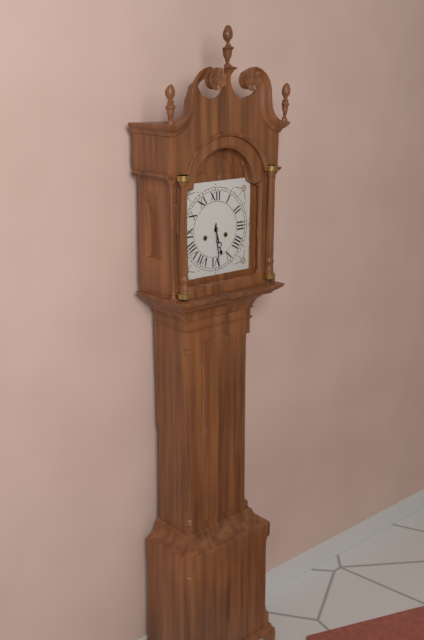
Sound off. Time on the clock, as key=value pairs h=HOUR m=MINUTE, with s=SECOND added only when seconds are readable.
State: h=5 m=29
